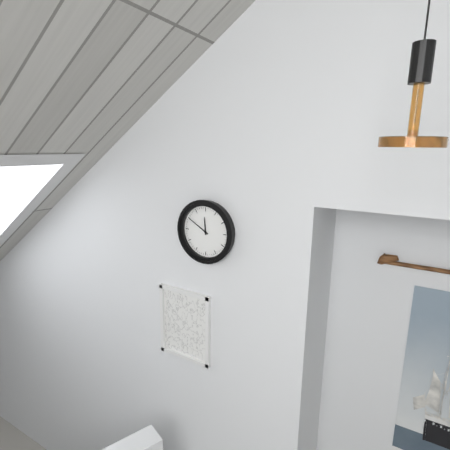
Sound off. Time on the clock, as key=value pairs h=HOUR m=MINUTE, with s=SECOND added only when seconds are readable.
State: h=11 m=50
